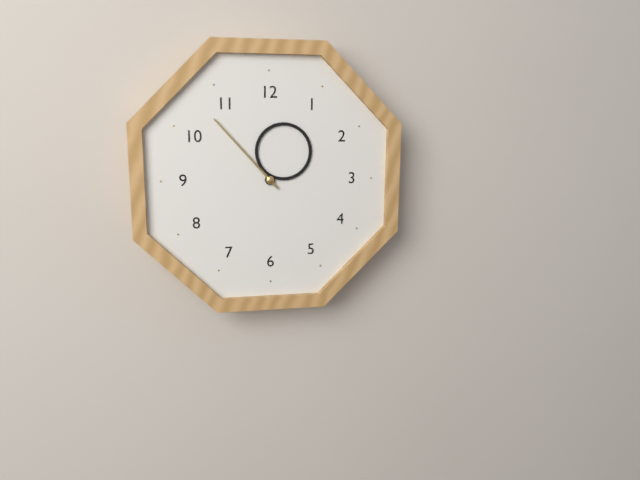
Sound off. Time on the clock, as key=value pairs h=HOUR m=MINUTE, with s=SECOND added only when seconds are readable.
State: h=12 m=53
